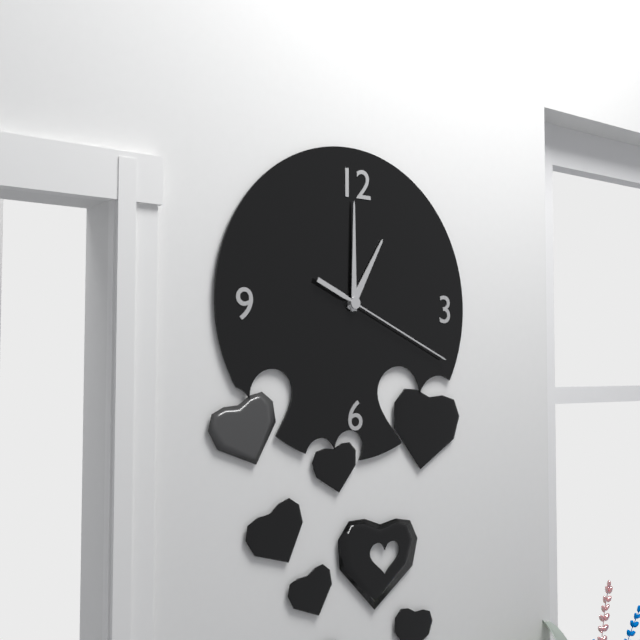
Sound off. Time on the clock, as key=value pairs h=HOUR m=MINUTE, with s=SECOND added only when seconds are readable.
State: h=1 m=0 s=19
